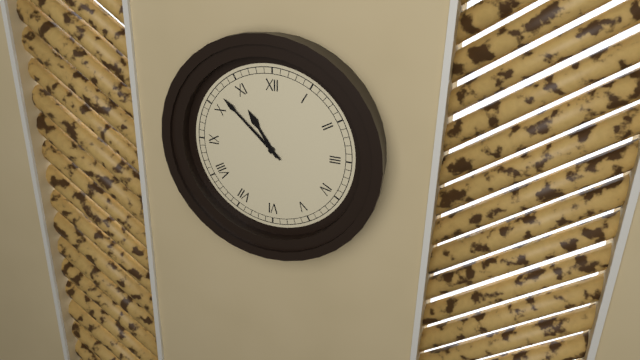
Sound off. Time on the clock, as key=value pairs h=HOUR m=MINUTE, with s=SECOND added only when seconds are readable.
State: h=10 m=52
